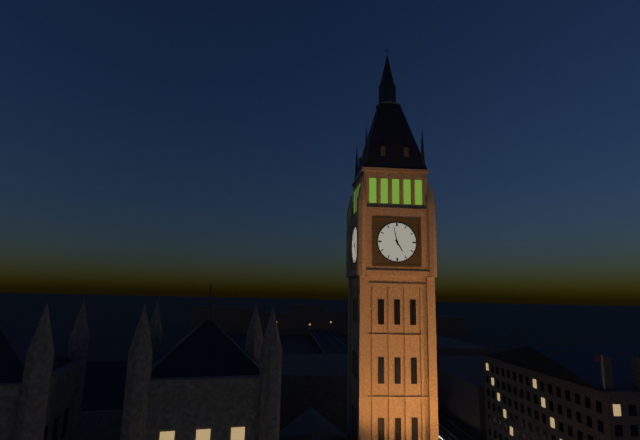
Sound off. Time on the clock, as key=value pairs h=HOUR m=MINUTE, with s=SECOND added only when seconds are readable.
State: h=4 m=58
